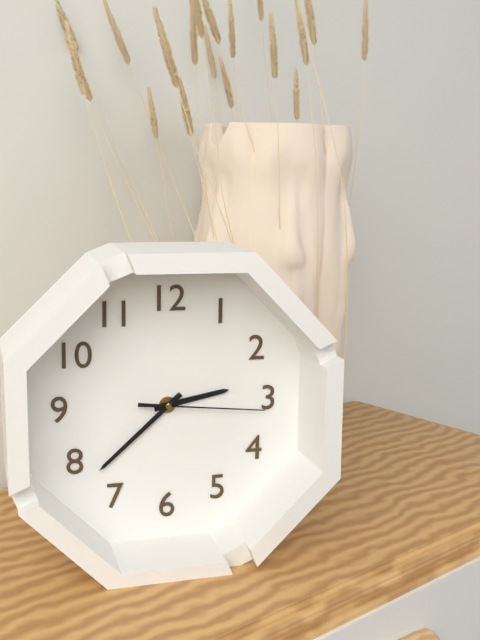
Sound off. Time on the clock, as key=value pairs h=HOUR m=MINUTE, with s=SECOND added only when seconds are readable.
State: h=2 m=38 s=16
